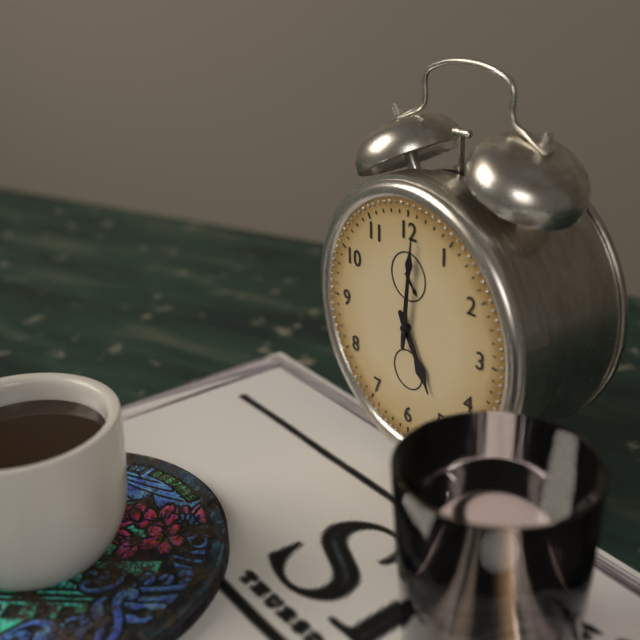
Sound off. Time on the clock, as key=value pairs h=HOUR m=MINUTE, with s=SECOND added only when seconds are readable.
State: h=5 m=1
